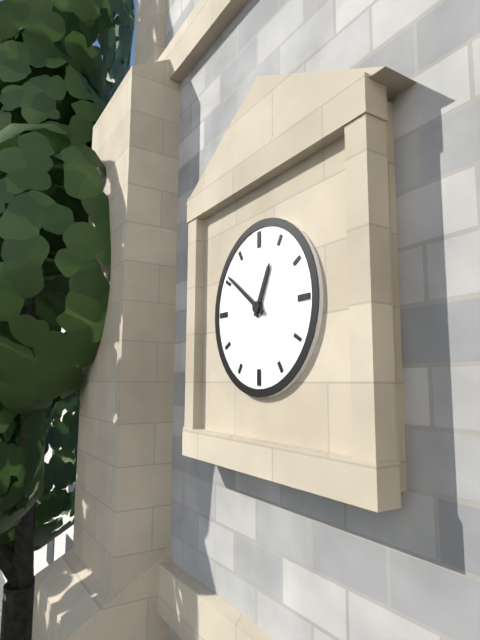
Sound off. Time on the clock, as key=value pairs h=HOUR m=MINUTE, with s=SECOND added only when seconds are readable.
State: h=12 m=51
